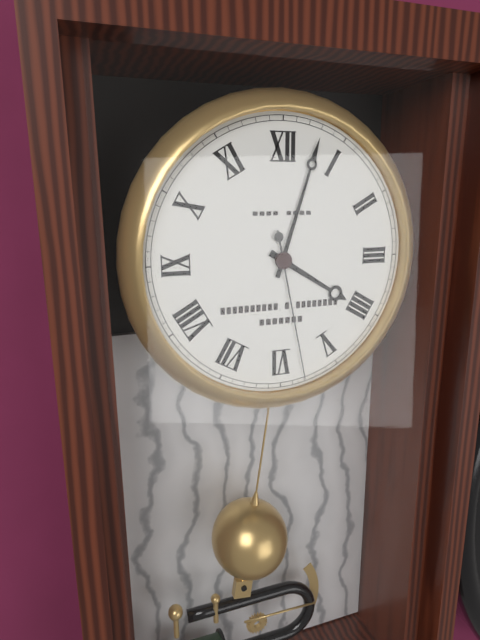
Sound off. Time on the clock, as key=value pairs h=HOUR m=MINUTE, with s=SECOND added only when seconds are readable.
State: h=4 m=3 s=28
